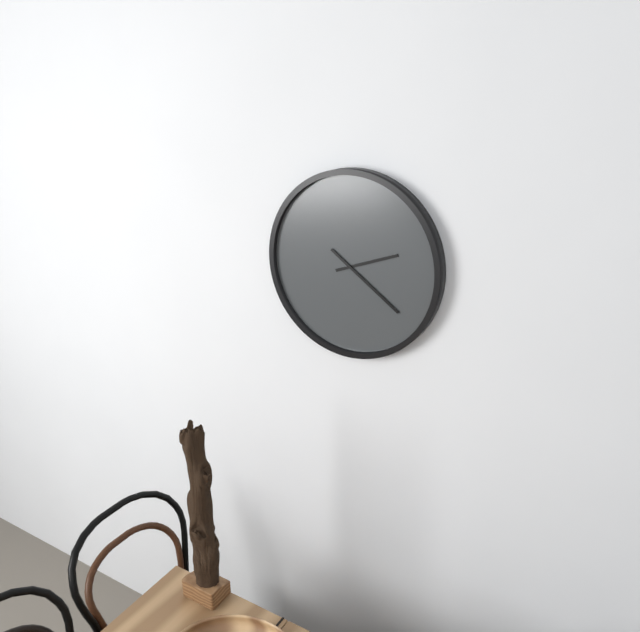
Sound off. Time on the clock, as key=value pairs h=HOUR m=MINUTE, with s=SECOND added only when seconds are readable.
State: h=2 m=21
